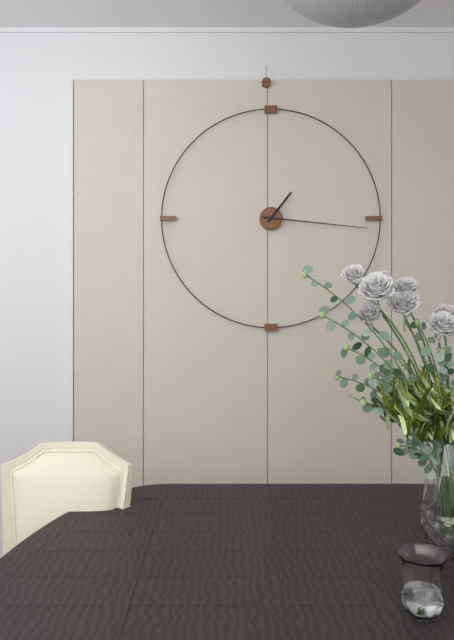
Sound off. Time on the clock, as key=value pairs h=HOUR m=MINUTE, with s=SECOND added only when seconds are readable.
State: h=1 m=16
